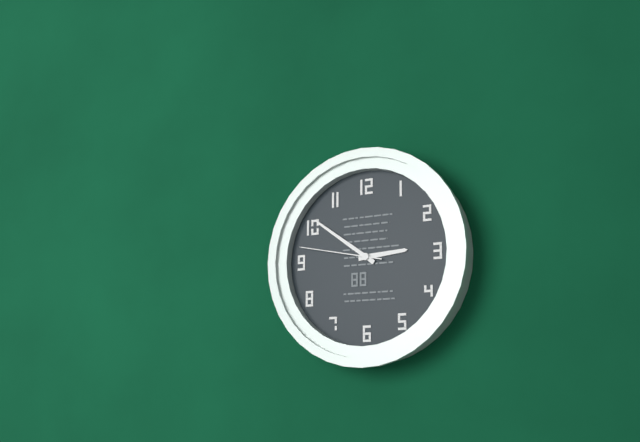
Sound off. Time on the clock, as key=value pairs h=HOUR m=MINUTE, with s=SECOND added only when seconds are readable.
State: h=2 m=51 s=47
